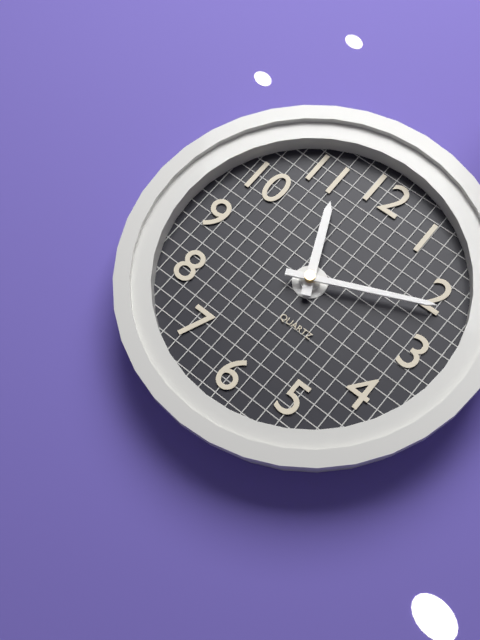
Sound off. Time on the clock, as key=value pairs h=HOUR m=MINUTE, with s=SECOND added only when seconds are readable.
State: h=11 m=11
